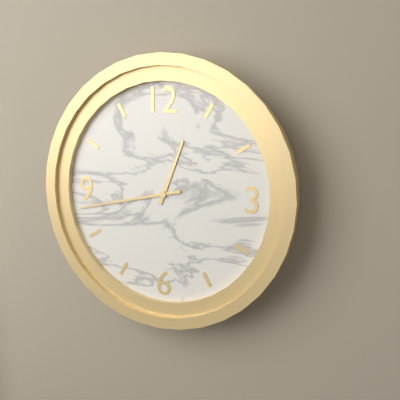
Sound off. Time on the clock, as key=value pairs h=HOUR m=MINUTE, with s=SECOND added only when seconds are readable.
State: h=12 m=43
